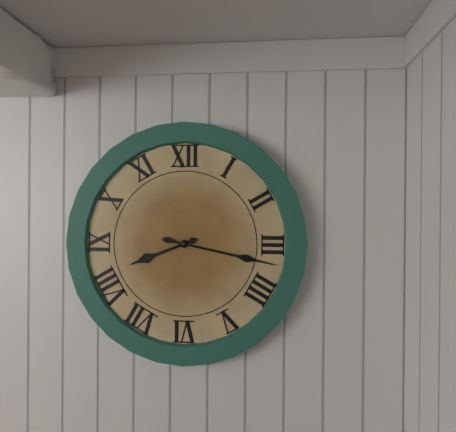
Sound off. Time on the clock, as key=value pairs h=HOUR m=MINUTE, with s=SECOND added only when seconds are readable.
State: h=8 m=17
